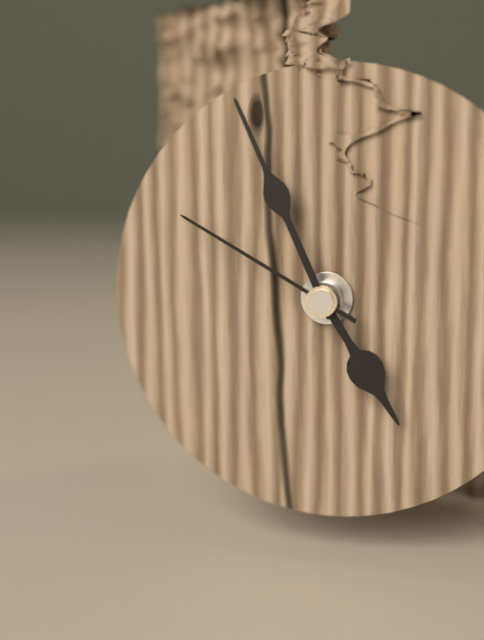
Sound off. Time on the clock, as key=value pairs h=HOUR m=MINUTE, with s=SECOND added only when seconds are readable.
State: h=4 m=56 s=50
